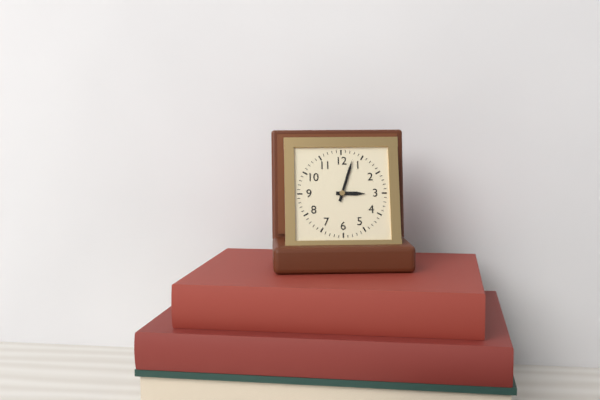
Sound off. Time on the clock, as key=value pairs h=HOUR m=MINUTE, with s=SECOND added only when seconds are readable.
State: h=3 m=3
